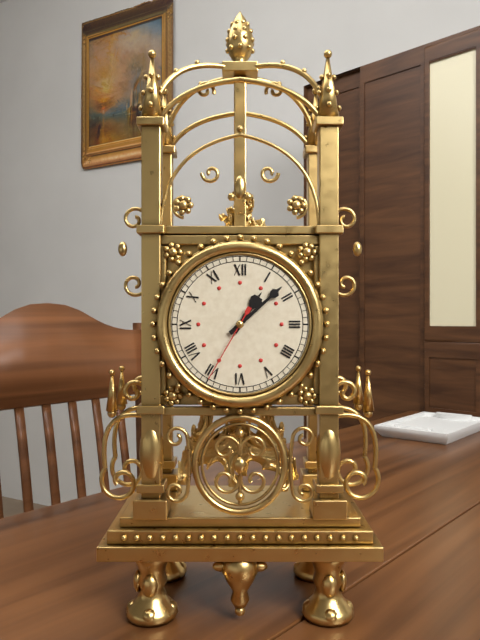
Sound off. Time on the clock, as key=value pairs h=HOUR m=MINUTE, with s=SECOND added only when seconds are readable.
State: h=1 m=8 s=35
